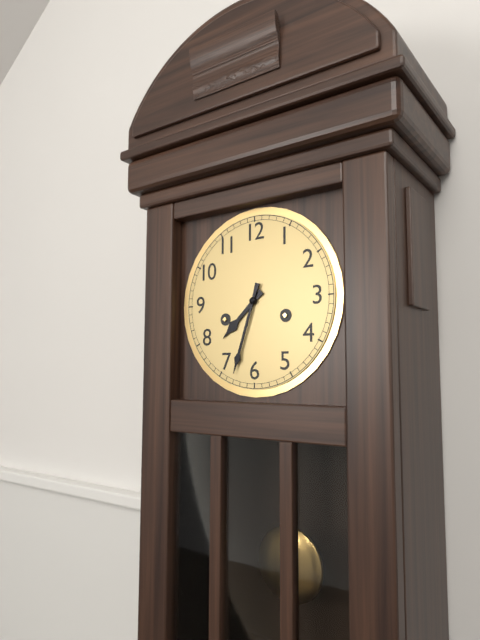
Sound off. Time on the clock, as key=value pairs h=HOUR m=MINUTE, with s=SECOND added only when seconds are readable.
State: h=7 m=33
